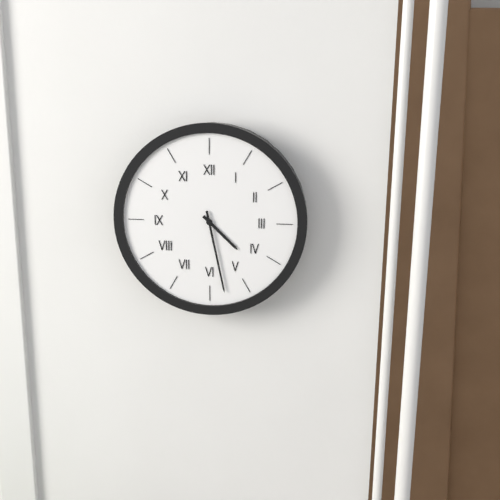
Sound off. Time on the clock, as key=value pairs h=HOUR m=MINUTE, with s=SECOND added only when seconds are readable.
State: h=4 m=28
